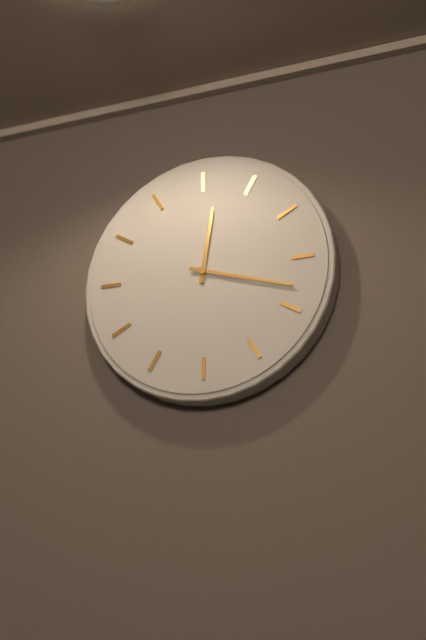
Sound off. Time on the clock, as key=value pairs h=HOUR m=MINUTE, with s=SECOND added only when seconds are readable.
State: h=12 m=18
